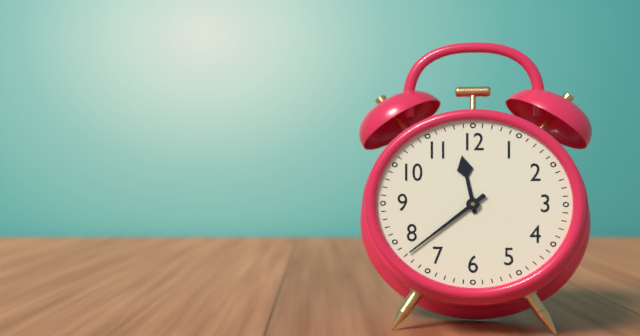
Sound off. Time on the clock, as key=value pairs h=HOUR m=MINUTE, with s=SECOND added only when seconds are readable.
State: h=11 m=38
